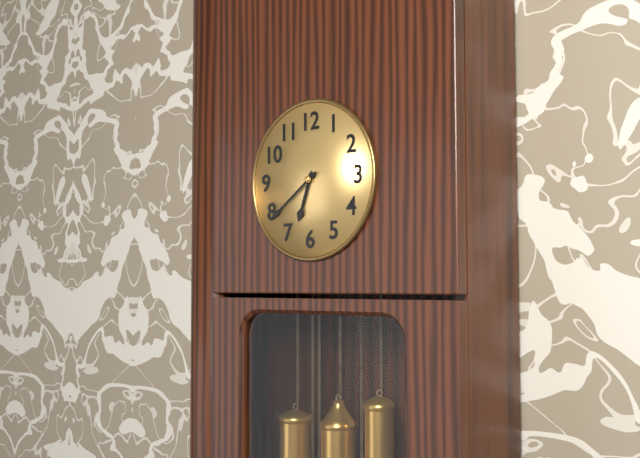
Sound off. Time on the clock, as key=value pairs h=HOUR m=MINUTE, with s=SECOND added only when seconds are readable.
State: h=6 m=39
